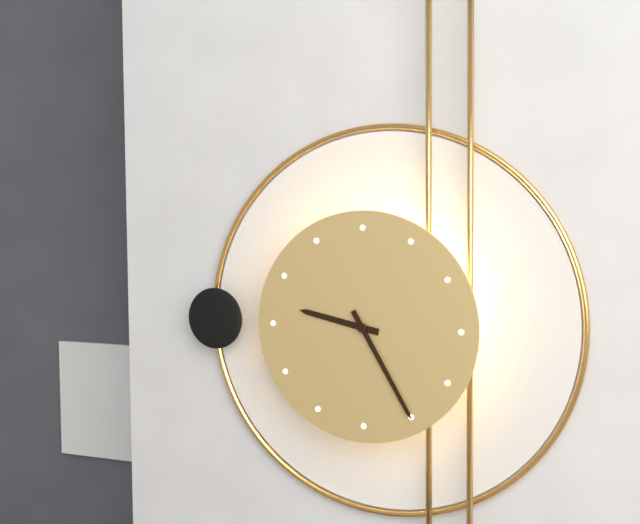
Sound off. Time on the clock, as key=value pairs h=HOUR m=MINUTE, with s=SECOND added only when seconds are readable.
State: h=9 m=25
